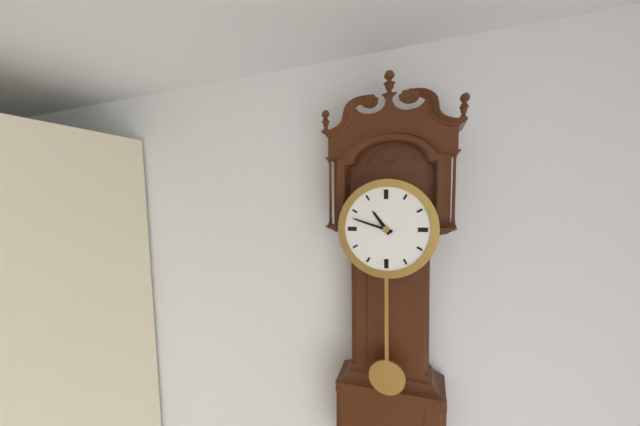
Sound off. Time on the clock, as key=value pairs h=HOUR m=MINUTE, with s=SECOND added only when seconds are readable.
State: h=10 m=48
